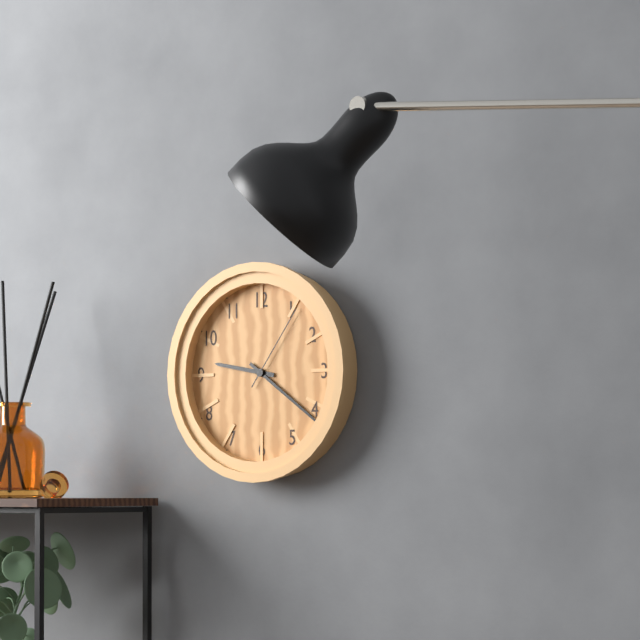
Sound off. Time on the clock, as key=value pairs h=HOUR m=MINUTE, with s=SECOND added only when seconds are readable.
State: h=9 m=21 s=6
